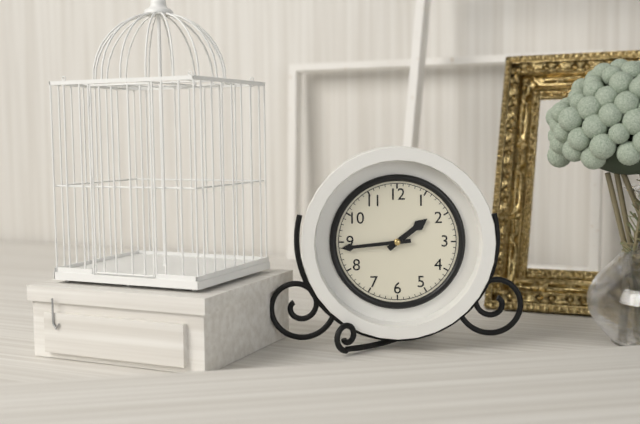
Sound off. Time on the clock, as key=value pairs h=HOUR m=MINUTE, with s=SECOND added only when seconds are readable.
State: h=1 m=44
